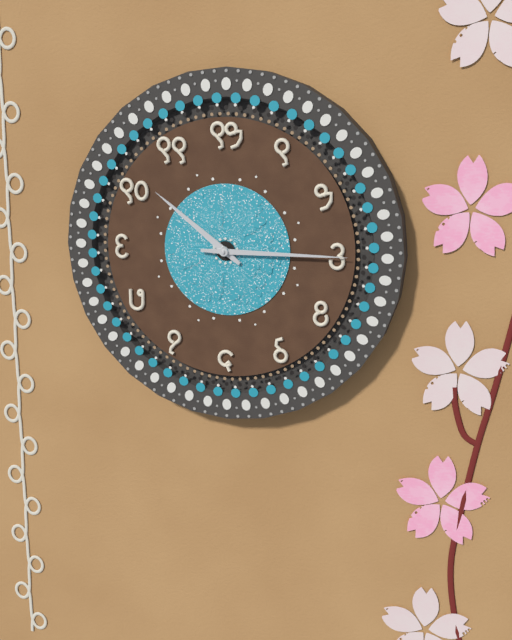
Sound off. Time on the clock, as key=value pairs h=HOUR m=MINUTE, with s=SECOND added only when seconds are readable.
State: h=10 m=15
